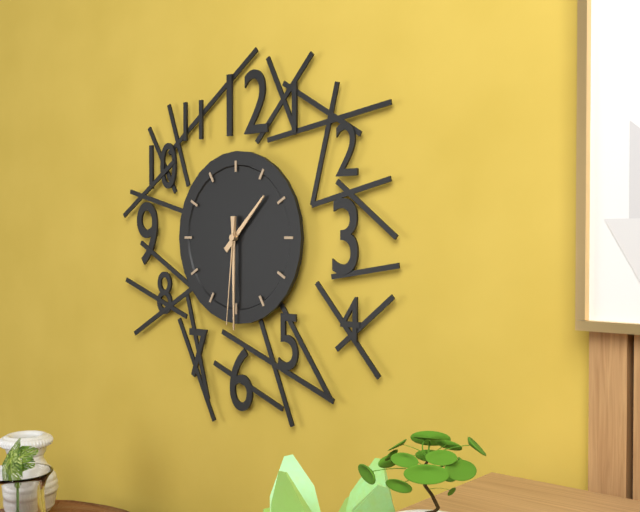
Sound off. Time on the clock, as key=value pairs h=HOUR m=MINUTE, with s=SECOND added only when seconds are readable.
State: h=1 m=30 s=31
